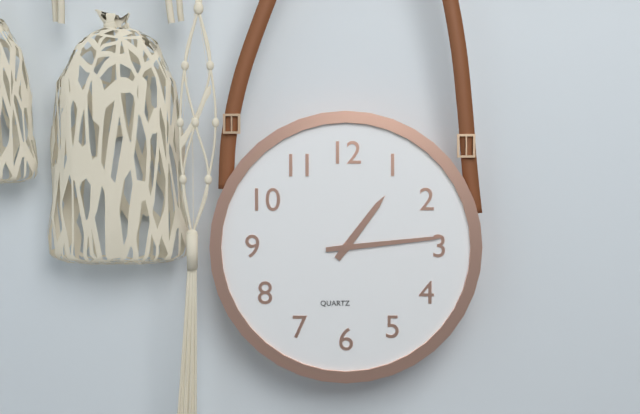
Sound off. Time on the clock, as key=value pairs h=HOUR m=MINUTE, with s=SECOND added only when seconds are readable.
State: h=1 m=14
